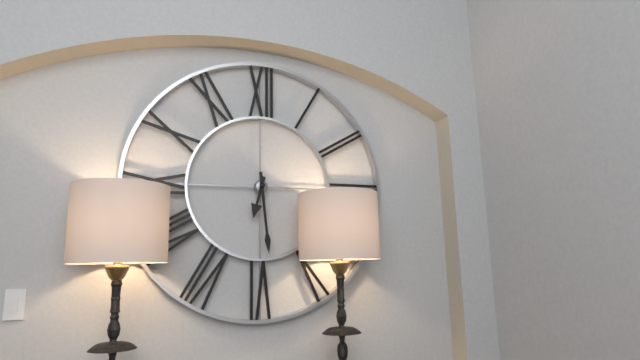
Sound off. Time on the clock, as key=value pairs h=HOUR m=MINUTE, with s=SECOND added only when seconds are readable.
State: h=6 m=29
